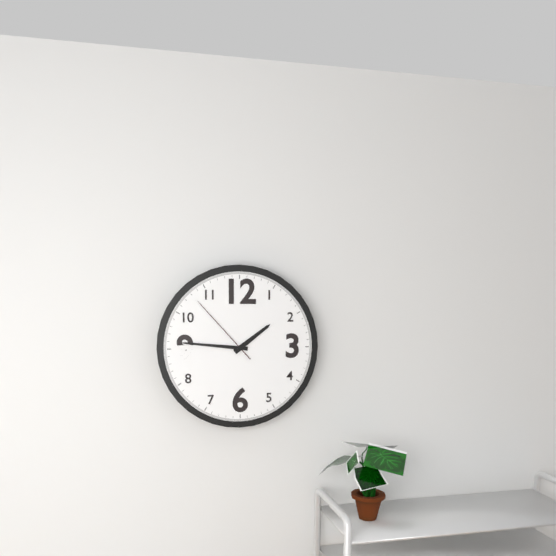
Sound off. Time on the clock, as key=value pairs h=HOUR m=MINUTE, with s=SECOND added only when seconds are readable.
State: h=1 m=46 s=53
